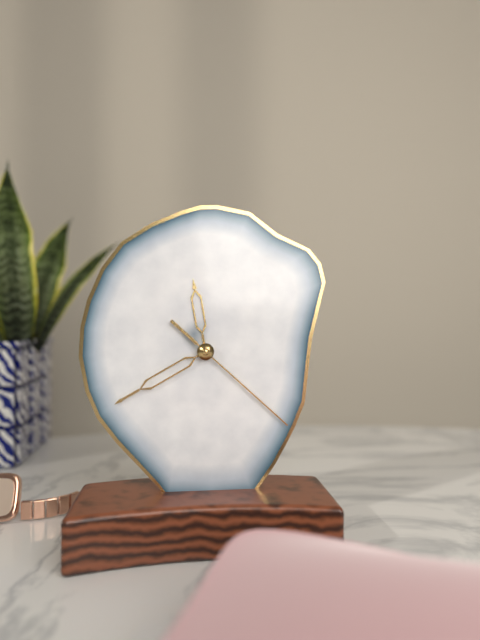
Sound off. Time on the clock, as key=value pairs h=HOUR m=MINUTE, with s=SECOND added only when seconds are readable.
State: h=11 m=40 s=22
